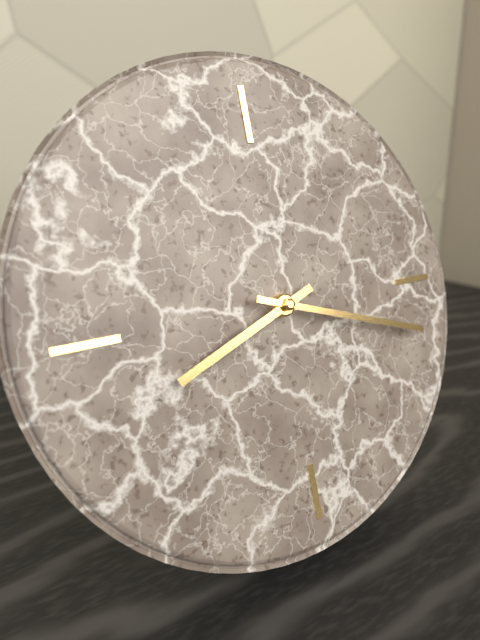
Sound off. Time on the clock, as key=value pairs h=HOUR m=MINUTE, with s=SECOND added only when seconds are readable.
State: h=8 m=18
